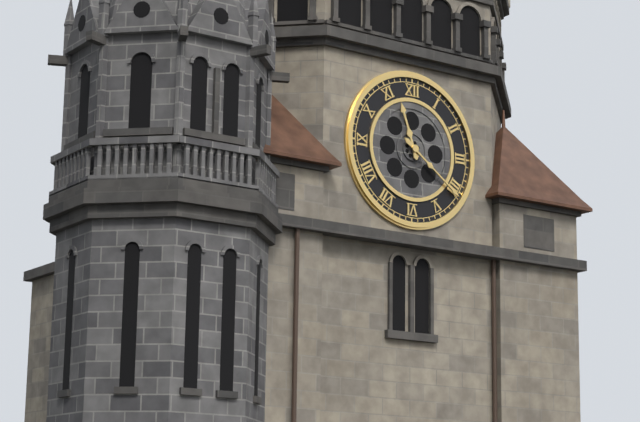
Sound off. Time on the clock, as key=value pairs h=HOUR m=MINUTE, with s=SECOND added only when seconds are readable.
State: h=11 m=21
